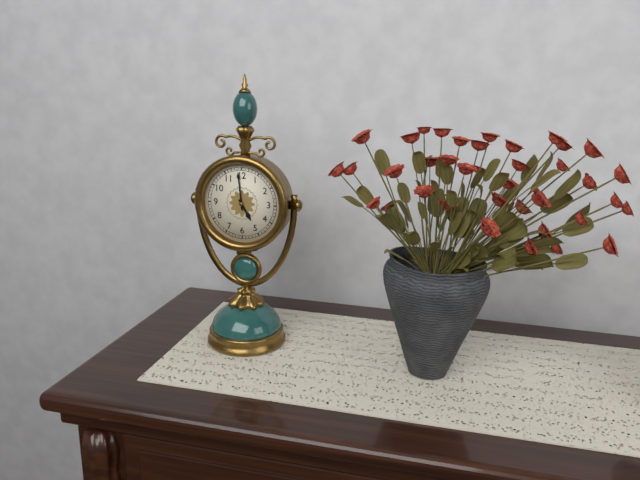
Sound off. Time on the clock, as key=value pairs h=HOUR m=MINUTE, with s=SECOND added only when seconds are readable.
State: h=4 m=59
